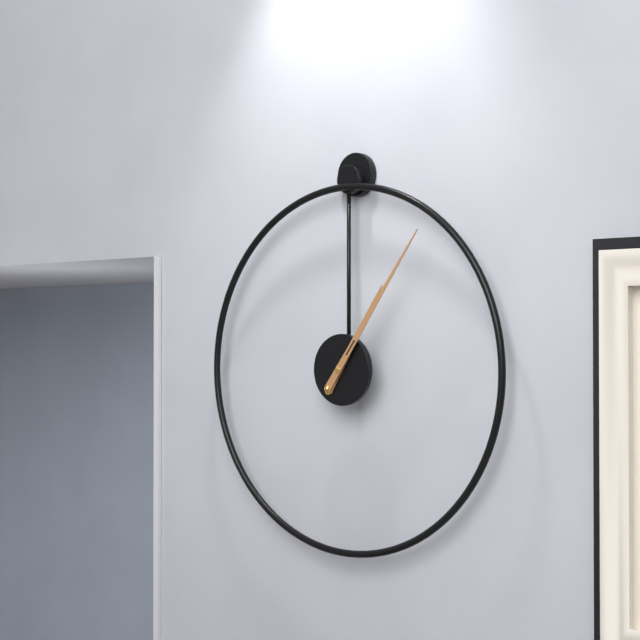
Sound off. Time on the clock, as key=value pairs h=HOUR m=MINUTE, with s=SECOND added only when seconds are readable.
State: h=1 m=6
